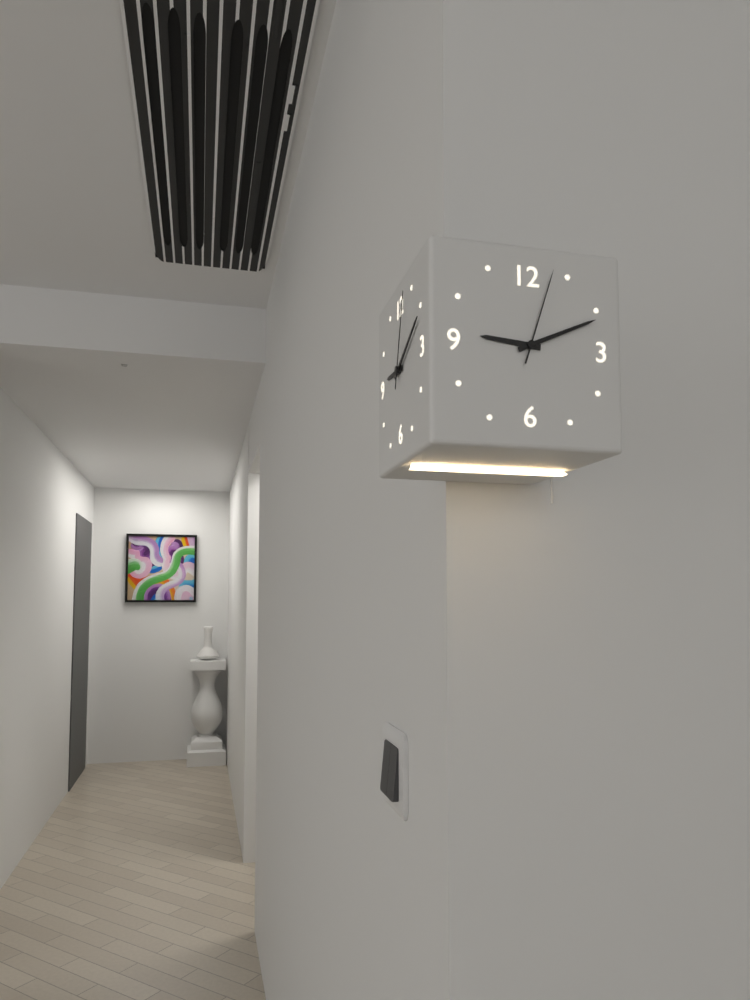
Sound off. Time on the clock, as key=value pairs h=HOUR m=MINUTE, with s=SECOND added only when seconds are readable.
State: h=9 m=11 s=3
